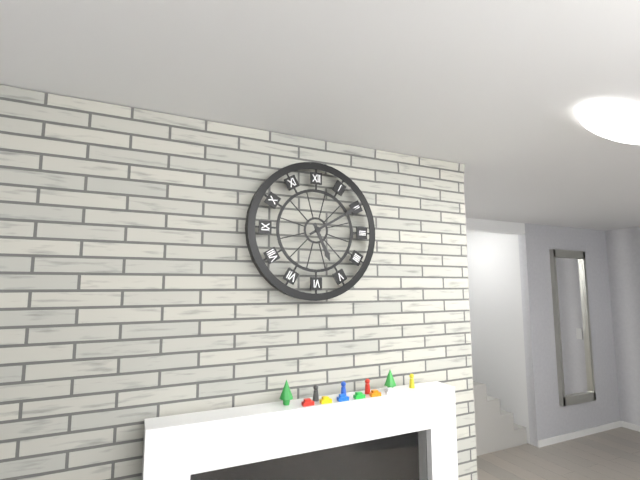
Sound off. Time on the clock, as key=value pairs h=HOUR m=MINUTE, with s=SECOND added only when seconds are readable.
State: h=5 m=10
